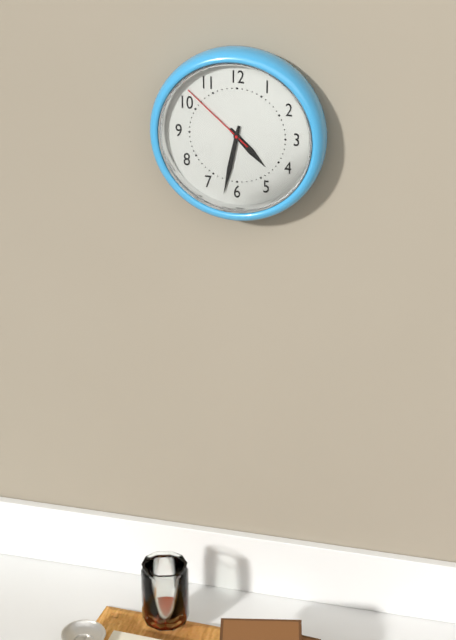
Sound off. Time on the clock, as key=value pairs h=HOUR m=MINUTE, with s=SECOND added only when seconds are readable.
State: h=4 m=32 s=52
